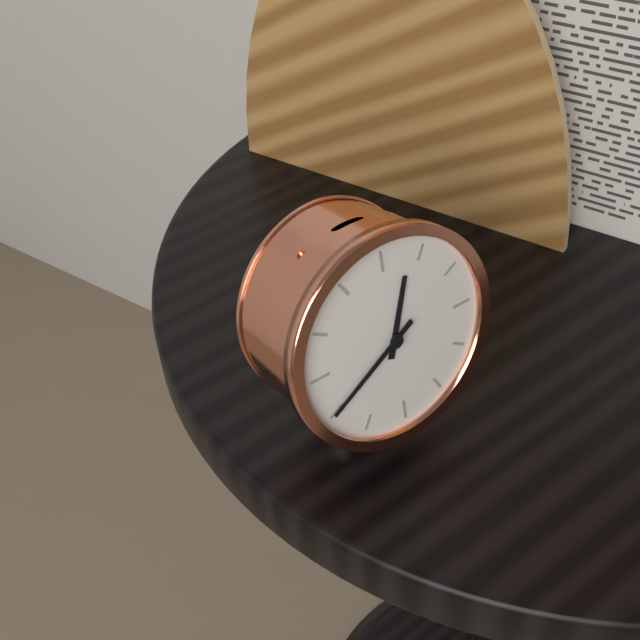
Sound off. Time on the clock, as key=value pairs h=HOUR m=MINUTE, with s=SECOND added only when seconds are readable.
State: h=12 m=40
